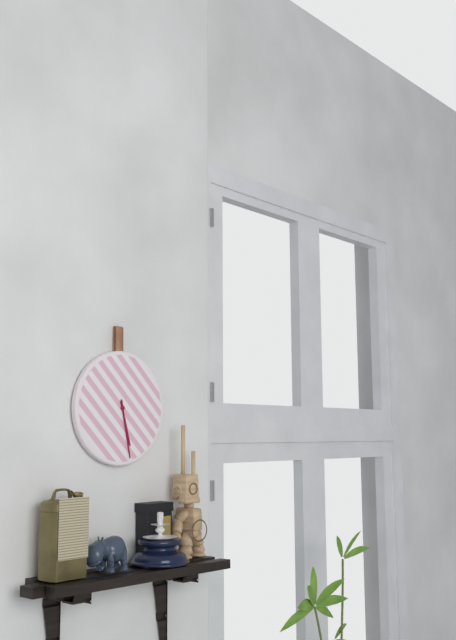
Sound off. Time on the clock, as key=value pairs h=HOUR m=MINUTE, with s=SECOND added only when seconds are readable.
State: h=5 m=28
